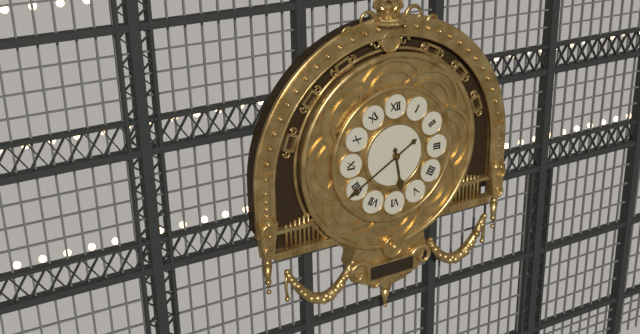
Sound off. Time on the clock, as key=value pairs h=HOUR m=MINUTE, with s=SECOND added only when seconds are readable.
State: h=5 m=40
